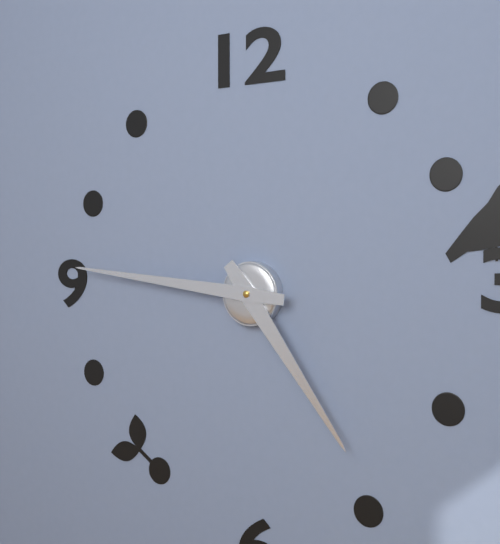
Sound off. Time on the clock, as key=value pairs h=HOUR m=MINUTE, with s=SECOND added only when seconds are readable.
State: h=4 m=46
